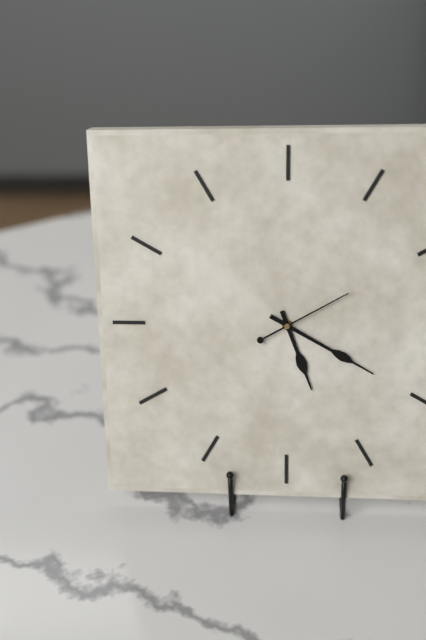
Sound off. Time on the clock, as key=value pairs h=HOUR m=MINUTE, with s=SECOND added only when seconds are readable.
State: h=5 m=20 s=10
